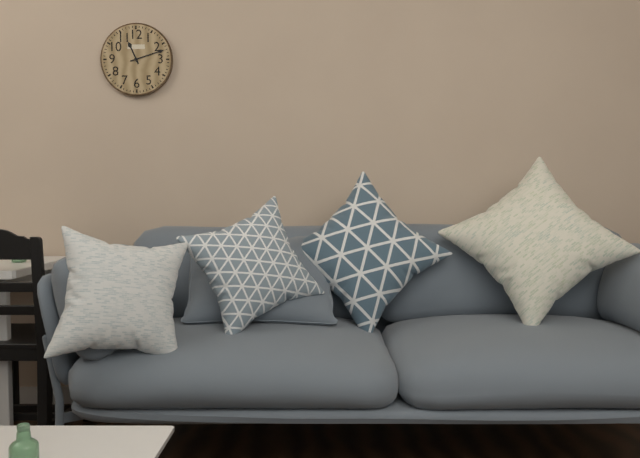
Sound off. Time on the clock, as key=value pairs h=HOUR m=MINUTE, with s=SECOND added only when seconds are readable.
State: h=11 m=12
